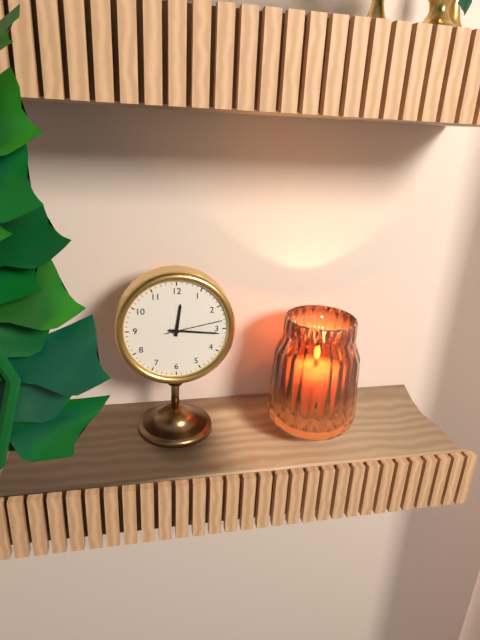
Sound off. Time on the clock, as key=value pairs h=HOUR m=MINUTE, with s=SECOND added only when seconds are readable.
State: h=12 m=16 s=13
